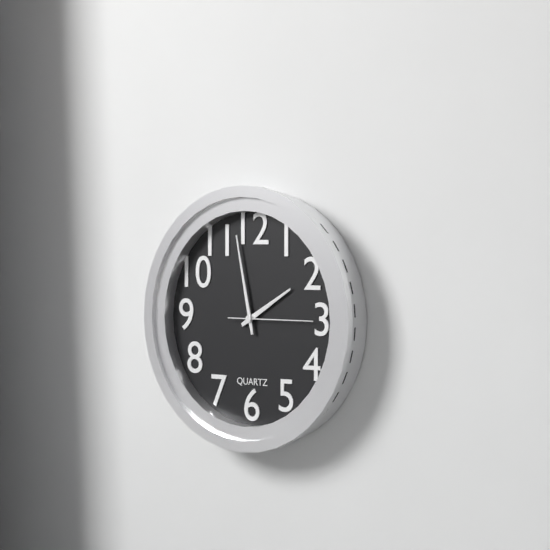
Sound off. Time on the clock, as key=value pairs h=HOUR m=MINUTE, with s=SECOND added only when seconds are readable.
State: h=1 m=58 s=15
